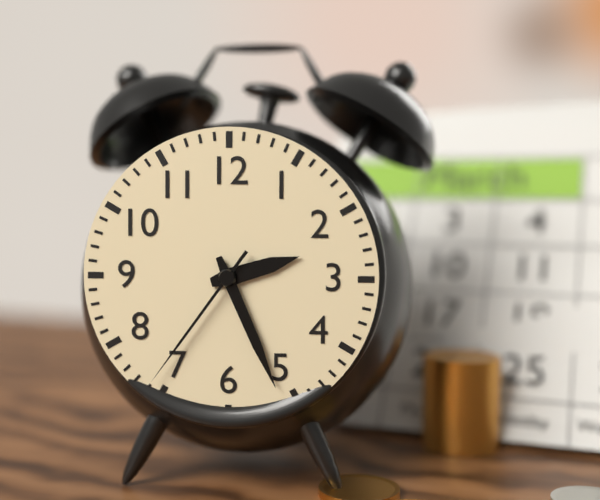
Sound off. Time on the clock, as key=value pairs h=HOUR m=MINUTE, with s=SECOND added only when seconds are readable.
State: h=2 m=26 s=36
